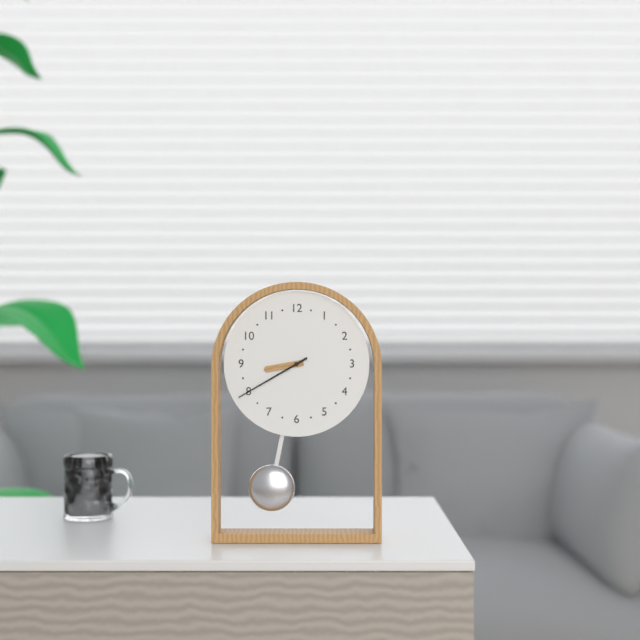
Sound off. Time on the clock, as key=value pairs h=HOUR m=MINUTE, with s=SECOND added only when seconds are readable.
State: h=8 m=40
